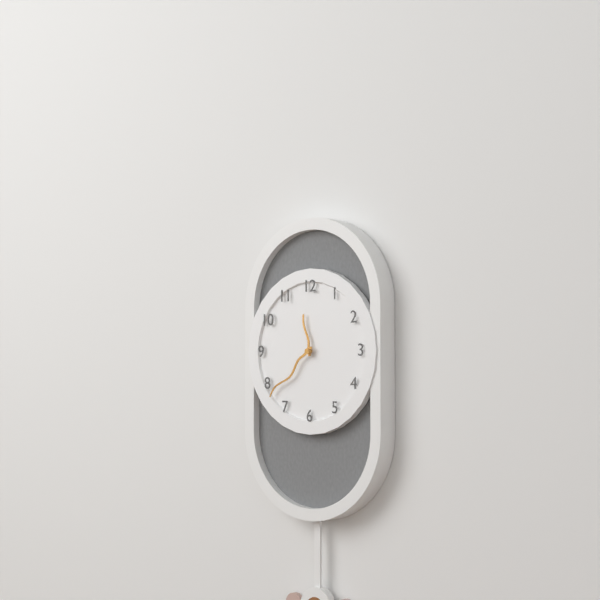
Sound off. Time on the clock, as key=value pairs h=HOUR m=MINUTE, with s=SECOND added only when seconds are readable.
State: h=11 m=38
